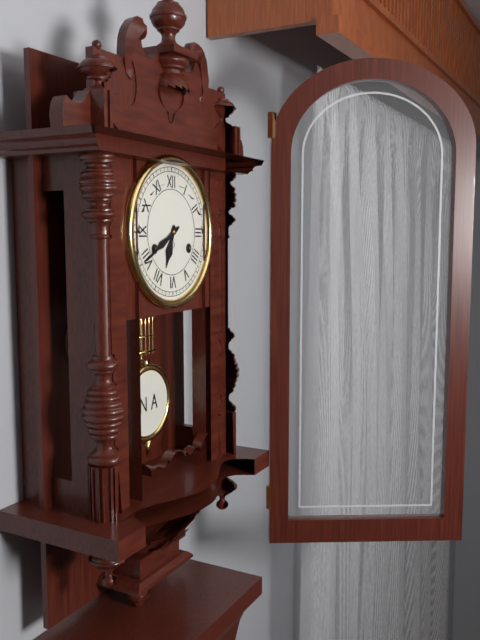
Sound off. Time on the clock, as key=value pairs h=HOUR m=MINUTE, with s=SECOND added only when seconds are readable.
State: h=6 m=40
